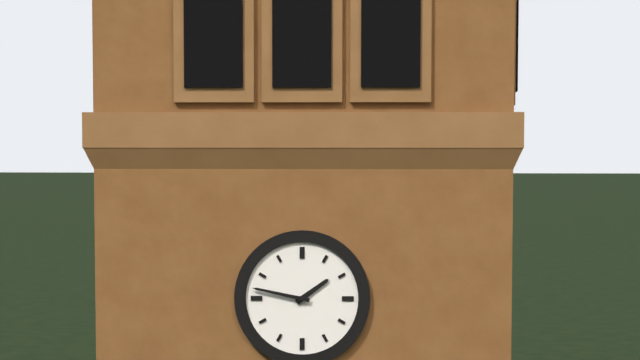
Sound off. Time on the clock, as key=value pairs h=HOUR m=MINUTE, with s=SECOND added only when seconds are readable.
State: h=1 m=47
